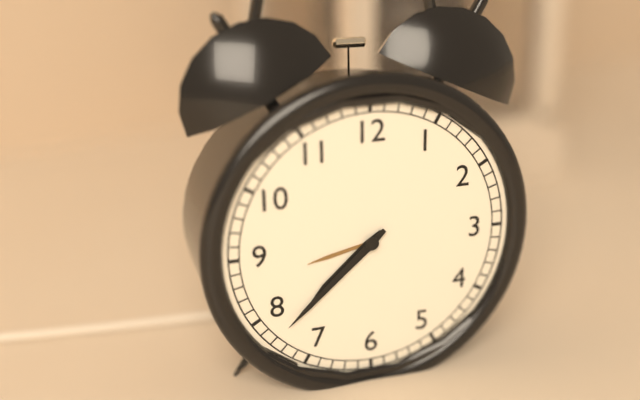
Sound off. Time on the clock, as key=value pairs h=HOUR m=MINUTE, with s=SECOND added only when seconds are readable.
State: h=7 m=38
